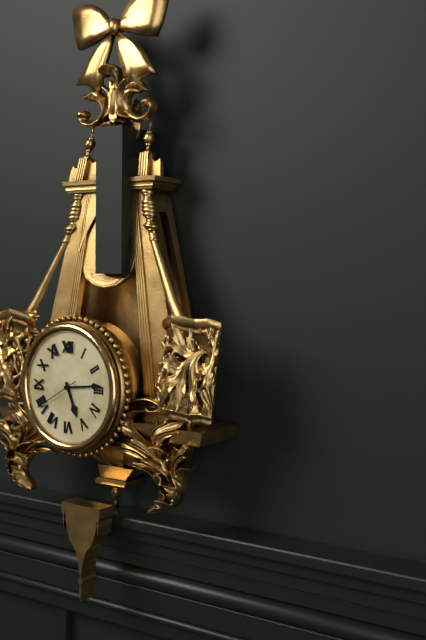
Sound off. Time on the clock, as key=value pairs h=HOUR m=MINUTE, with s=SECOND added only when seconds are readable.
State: h=5 m=14 s=40
